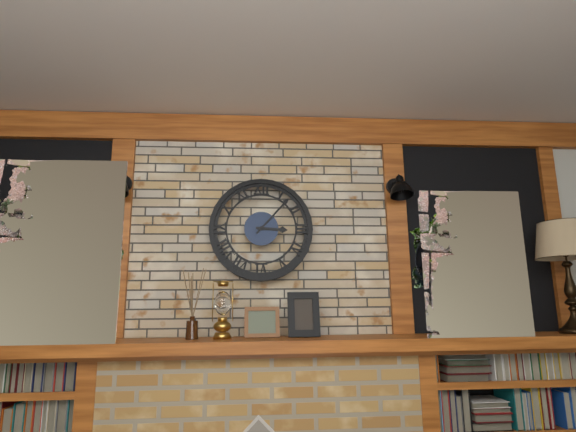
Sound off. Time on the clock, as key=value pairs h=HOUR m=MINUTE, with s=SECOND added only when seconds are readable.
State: h=3 m=7
